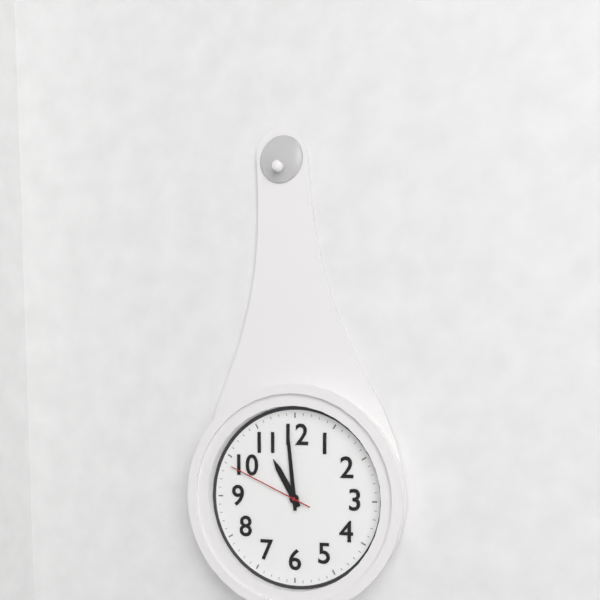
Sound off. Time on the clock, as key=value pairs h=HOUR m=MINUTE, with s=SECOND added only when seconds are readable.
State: h=10 m=59 s=49
